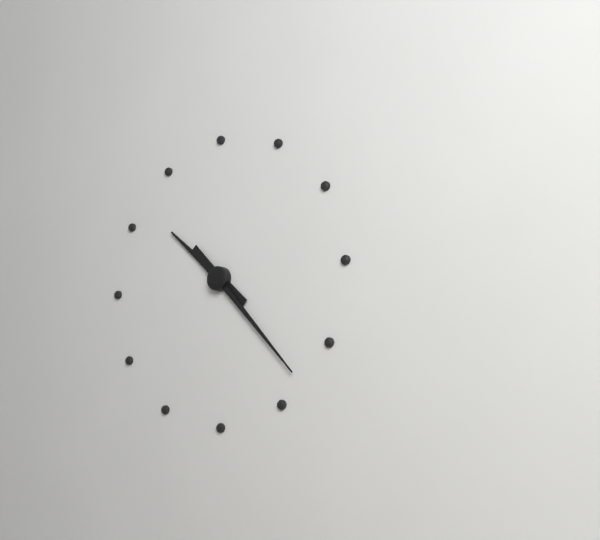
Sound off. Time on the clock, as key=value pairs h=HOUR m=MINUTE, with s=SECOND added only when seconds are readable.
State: h=10 m=23
